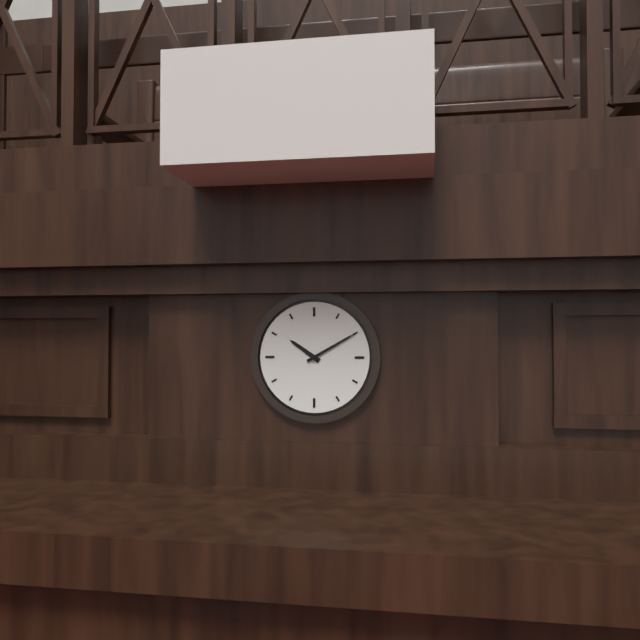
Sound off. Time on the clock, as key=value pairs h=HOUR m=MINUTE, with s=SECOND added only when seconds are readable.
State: h=10 m=10
